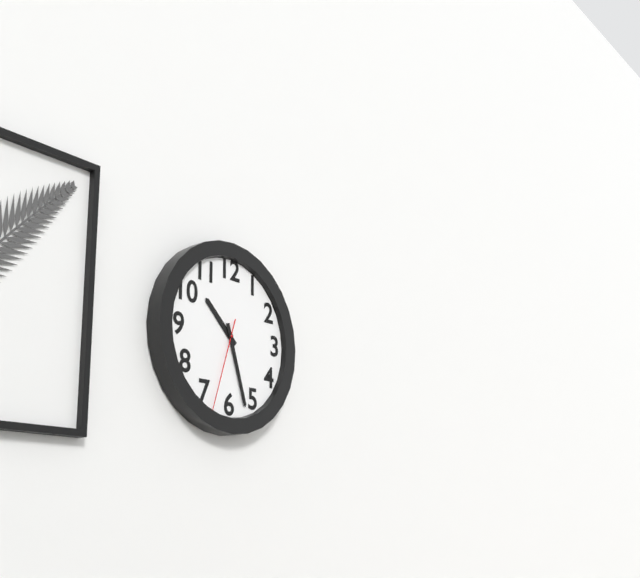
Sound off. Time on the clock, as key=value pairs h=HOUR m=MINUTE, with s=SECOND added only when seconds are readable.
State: h=10 m=27 s=33
